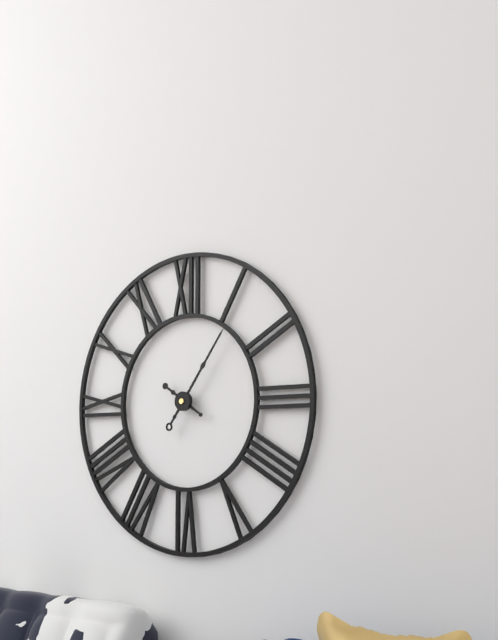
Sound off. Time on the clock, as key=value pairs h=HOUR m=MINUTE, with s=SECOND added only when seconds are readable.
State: h=10 m=6
